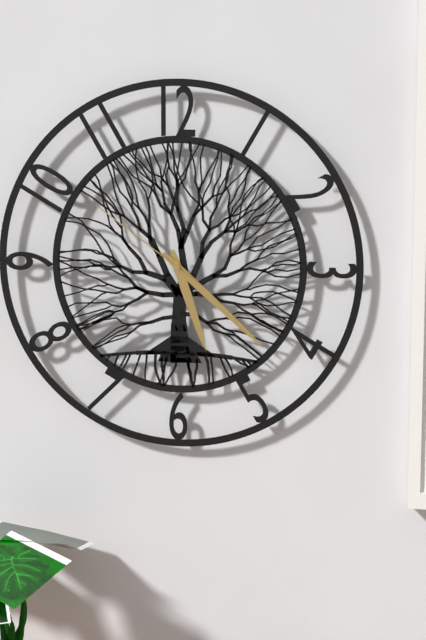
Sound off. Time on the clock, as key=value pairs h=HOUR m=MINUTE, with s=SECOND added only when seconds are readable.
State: h=5 m=22 s=51
